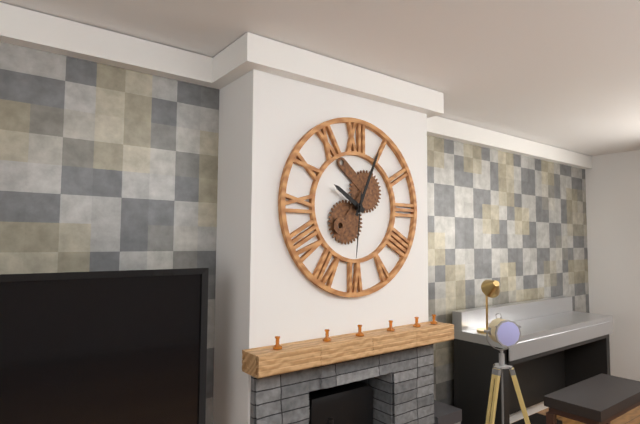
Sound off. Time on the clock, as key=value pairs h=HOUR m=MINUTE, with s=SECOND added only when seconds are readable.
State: h=10 m=4 s=31
